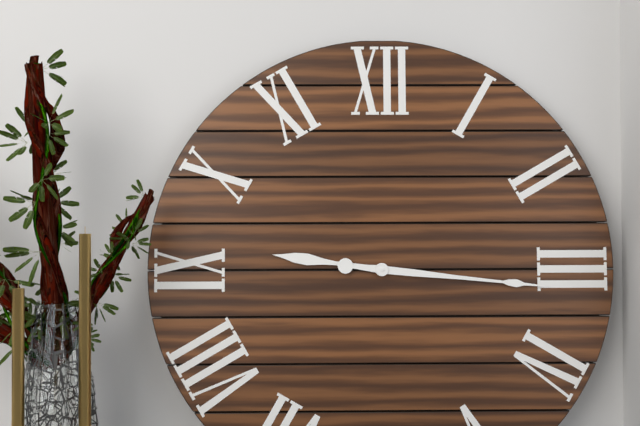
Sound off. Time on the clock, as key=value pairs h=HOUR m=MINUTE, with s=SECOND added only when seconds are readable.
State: h=9 m=16
